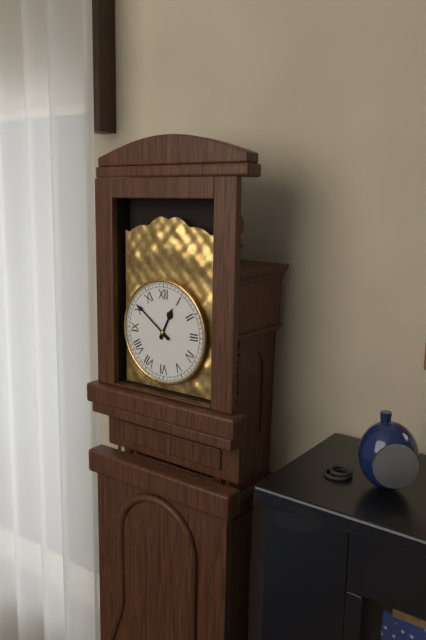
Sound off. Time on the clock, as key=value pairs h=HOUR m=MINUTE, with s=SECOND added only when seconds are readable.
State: h=12 m=51
